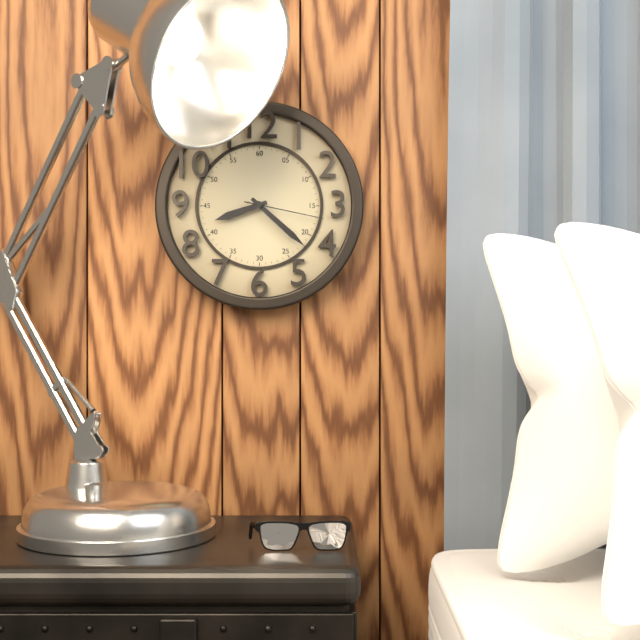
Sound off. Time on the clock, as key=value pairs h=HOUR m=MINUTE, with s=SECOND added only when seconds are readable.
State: h=8 m=22 s=17
